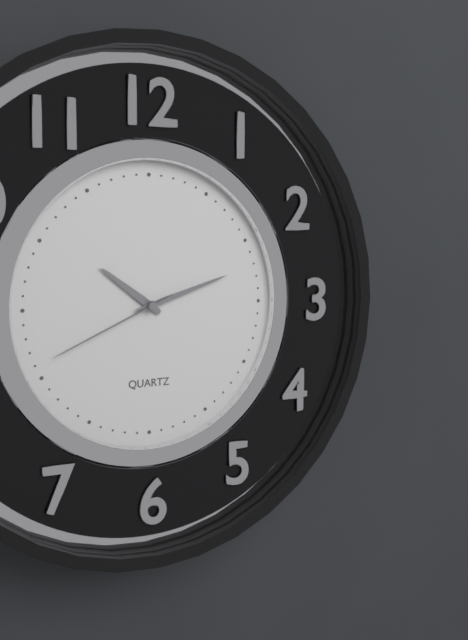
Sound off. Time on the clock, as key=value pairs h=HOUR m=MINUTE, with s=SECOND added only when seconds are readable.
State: h=10 m=12 s=41
